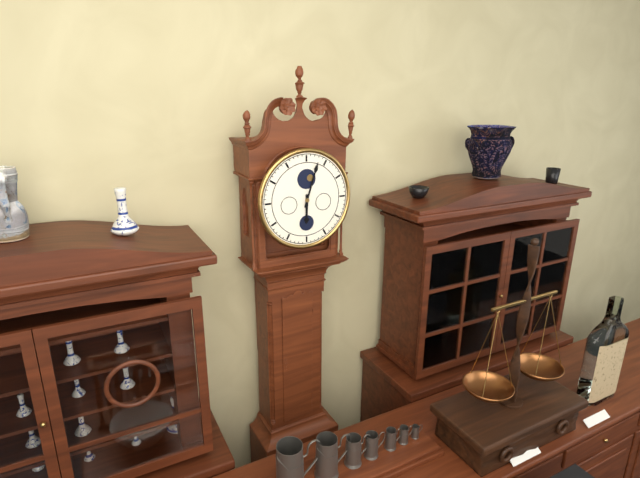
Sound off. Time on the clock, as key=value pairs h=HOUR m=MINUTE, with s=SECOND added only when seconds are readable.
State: h=6 m=3
